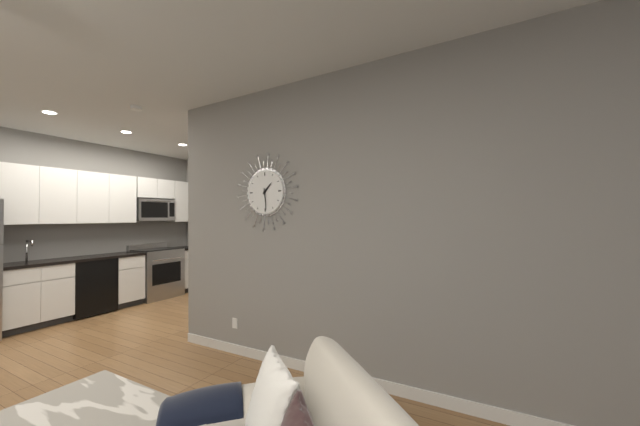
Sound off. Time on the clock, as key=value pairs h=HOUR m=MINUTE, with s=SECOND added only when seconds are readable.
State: h=1 m=29
